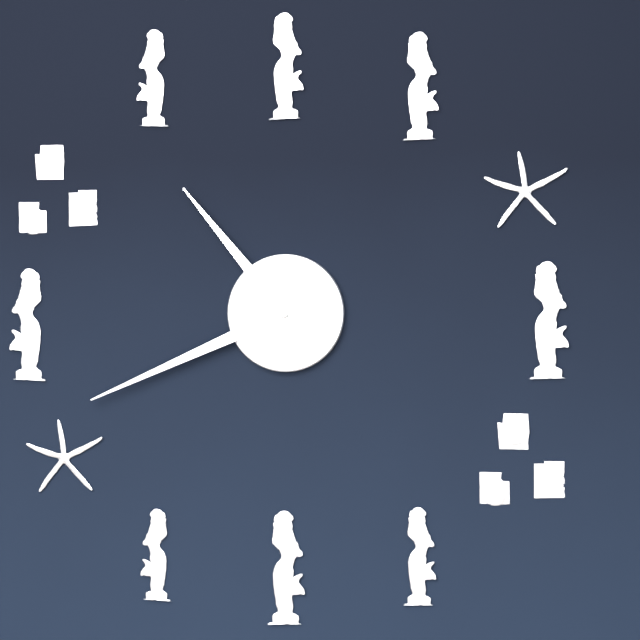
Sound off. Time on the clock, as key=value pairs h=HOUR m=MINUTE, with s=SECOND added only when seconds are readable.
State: h=10 m=41
